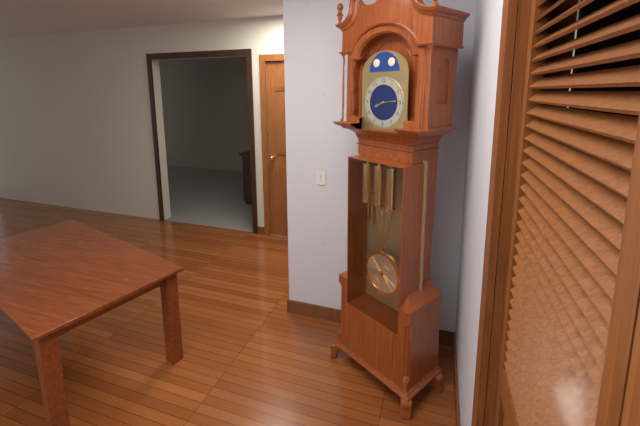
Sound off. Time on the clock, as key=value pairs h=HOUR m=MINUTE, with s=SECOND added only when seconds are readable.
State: h=8 m=14
